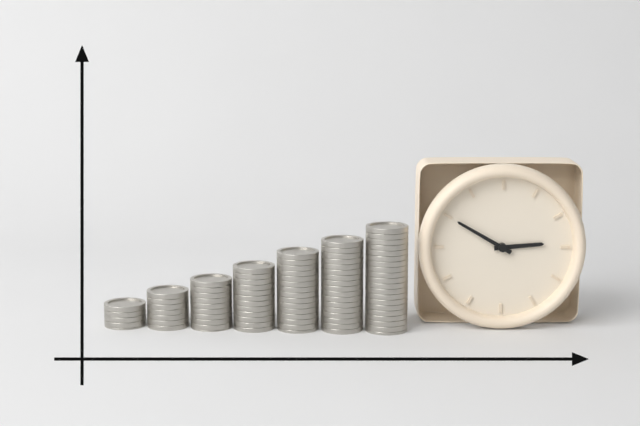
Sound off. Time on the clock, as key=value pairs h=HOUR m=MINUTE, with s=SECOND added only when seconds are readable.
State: h=2 m=50
